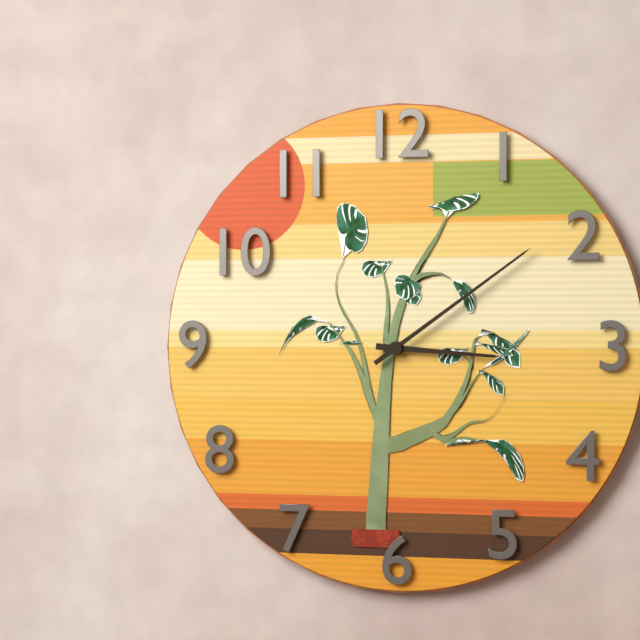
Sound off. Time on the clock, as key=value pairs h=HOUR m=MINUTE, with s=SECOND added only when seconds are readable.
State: h=3 m=9
